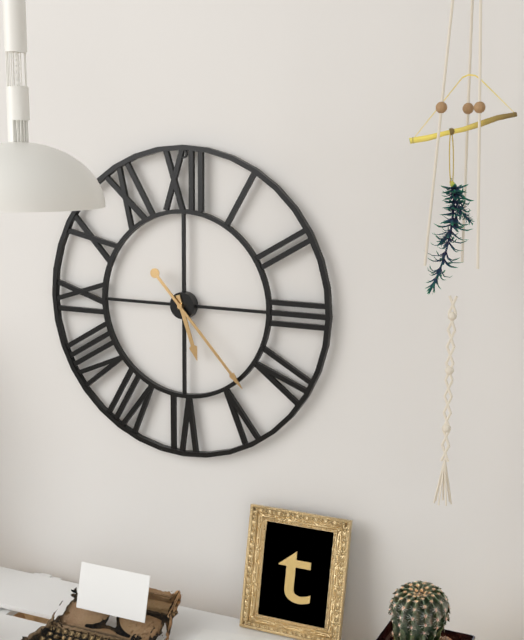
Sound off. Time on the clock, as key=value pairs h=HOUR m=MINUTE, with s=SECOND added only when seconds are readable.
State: h=5 m=23
